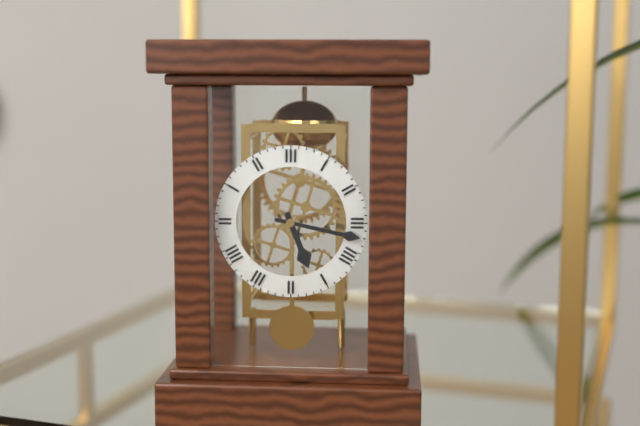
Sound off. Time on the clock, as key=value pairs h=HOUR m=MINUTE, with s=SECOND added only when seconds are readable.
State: h=5 m=17
